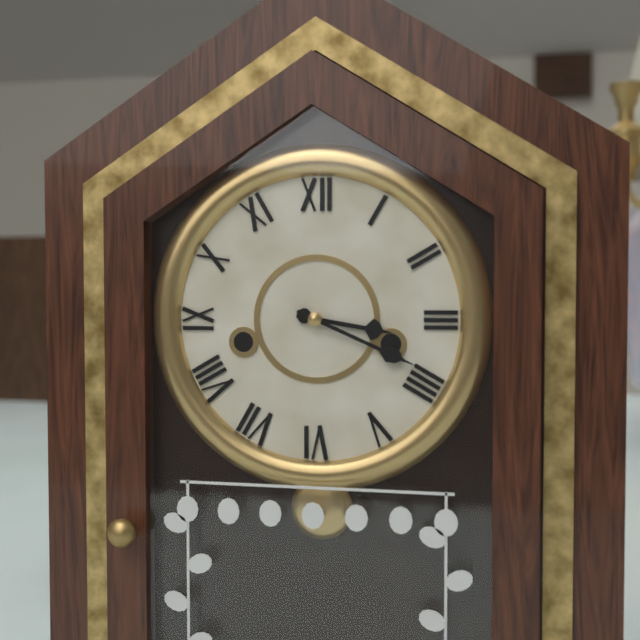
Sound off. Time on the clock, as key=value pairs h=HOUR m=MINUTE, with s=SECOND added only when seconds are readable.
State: h=3 m=19
